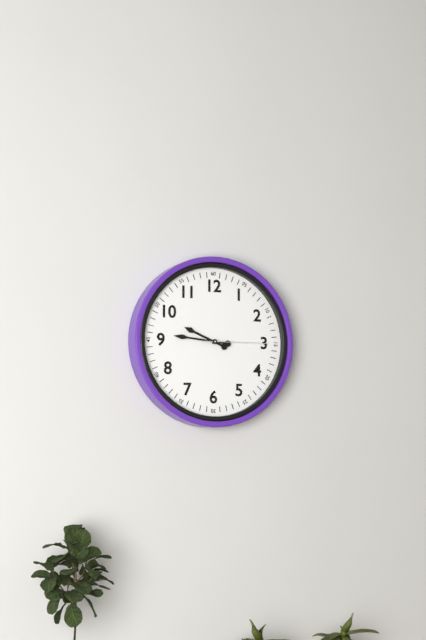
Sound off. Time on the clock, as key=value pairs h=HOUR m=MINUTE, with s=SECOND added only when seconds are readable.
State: h=9 m=46 s=15
